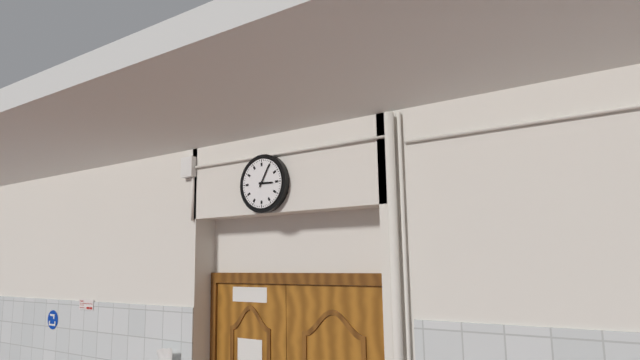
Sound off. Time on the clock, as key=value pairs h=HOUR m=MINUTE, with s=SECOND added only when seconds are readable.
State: h=3 m=5
